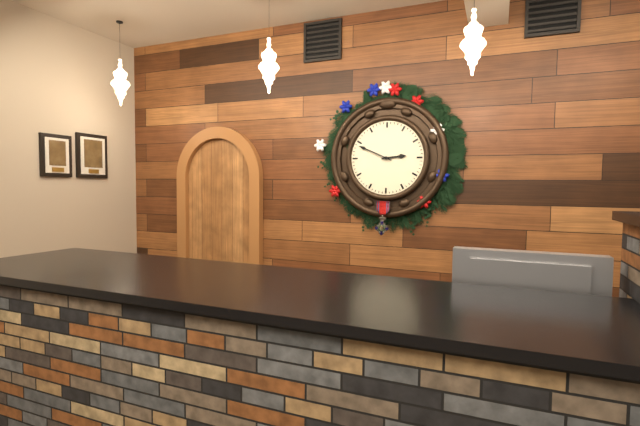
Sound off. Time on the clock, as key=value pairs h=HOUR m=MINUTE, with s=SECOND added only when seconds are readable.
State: h=2 m=49
